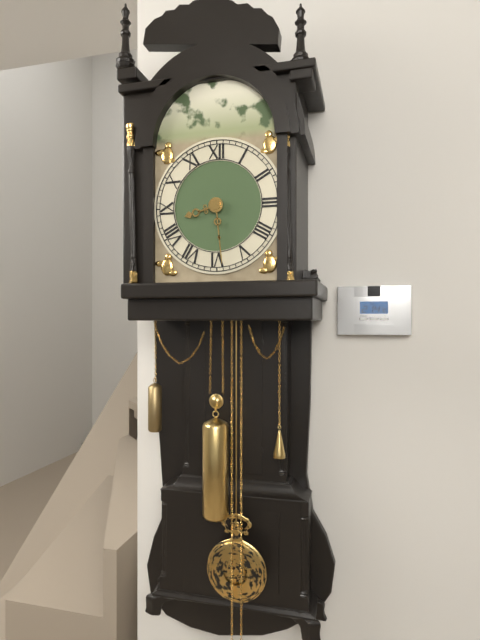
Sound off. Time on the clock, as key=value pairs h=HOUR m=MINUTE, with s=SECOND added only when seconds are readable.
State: h=8 m=29
